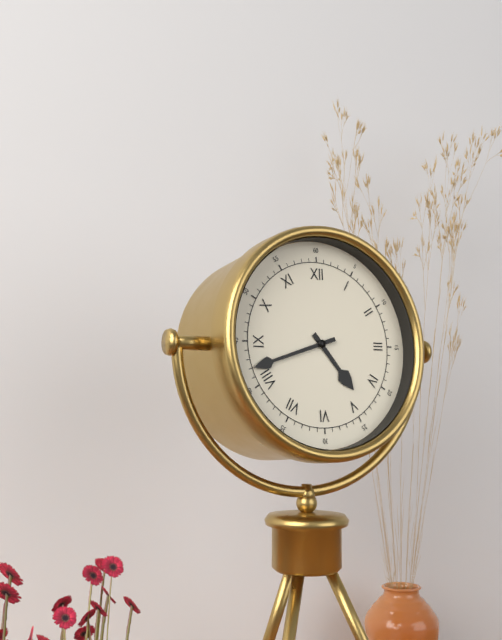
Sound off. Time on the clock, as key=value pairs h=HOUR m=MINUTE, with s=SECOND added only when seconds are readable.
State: h=4 m=42
